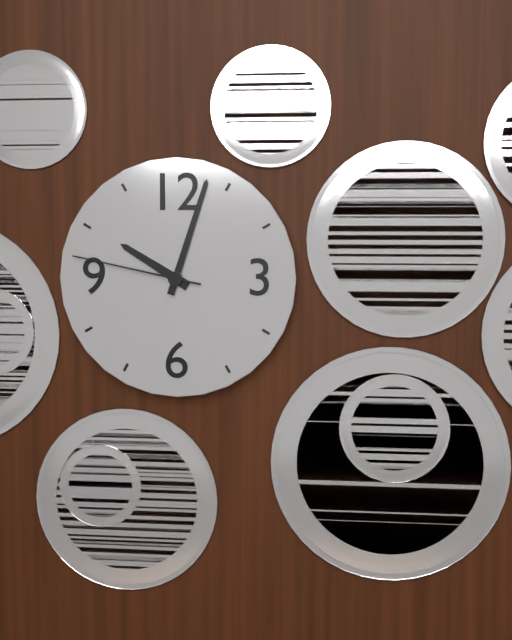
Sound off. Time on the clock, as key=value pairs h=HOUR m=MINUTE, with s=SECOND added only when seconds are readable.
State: h=10 m=3 s=47
